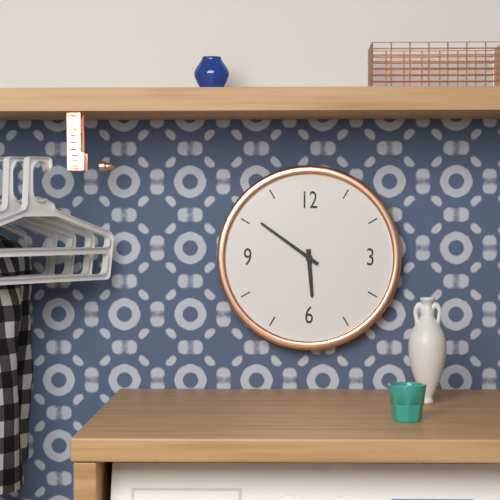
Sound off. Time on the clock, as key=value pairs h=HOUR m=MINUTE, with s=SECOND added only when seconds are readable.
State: h=5 m=51
